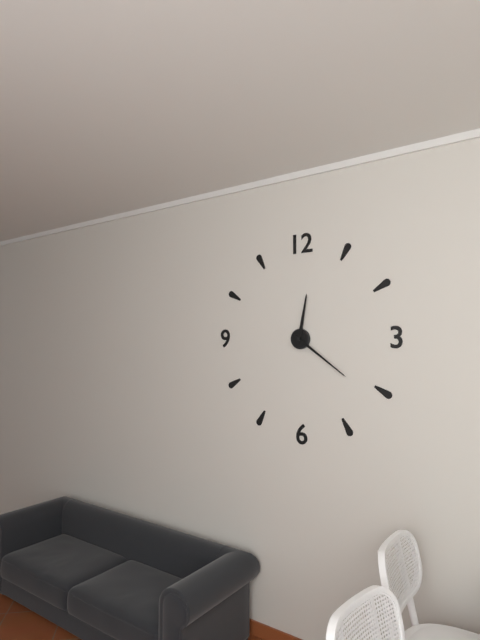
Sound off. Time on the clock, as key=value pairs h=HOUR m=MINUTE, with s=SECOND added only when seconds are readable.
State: h=12 m=21
